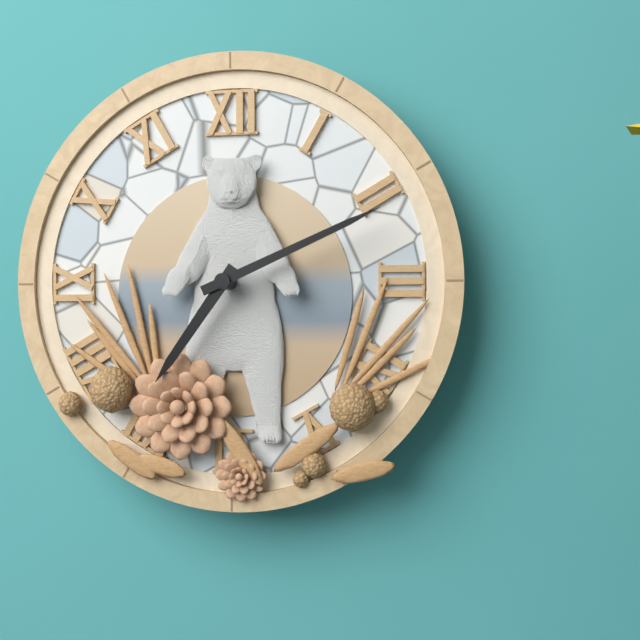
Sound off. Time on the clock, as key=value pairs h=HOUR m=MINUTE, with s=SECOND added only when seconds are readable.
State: h=7 m=11
